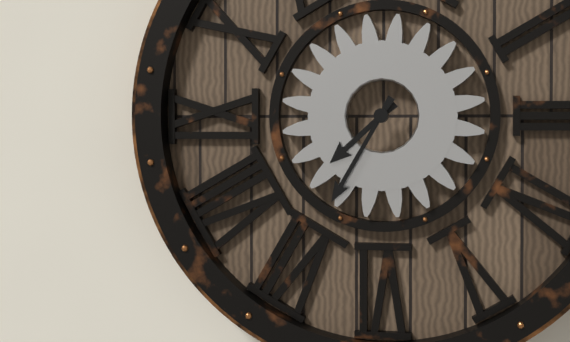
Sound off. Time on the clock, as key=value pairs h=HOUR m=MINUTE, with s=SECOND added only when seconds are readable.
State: h=7 m=35
